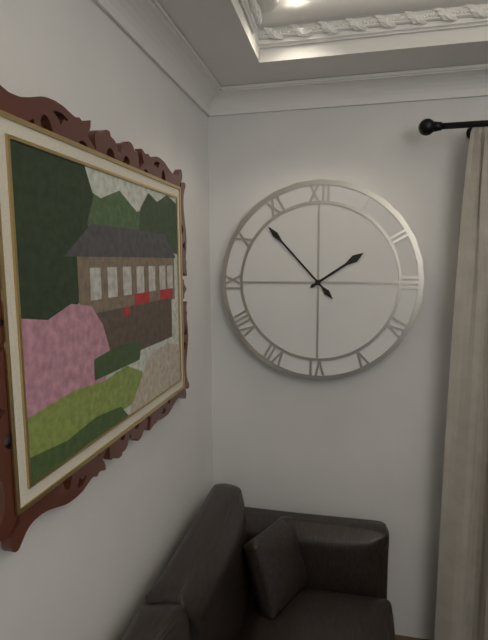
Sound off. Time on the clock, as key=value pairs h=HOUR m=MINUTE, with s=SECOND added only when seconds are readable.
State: h=1 m=53
